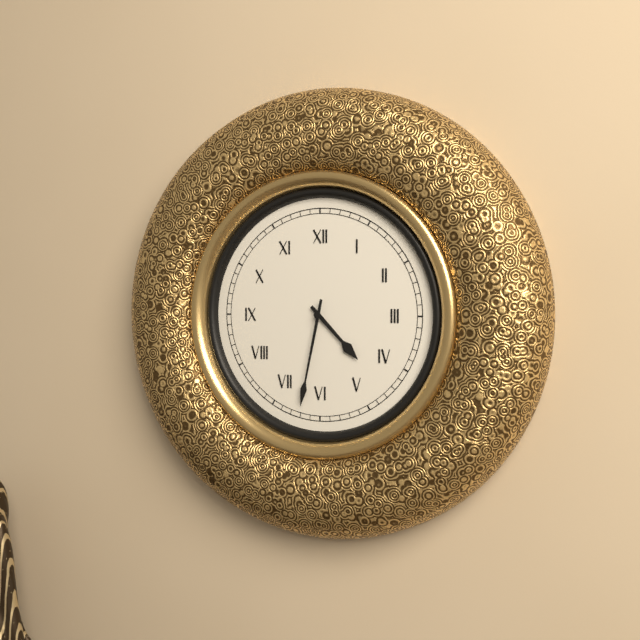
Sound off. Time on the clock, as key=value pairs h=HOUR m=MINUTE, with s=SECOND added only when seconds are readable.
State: h=4 m=32
